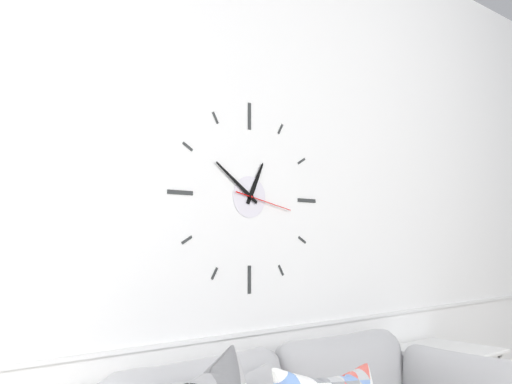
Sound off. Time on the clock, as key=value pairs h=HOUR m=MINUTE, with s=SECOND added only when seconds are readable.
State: h=12 m=51 s=17
